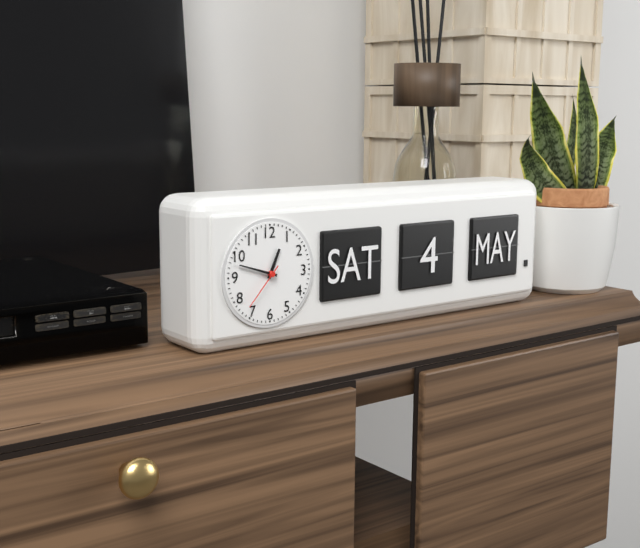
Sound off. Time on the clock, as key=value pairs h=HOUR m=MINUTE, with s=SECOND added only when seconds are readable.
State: h=12 m=48 s=37
